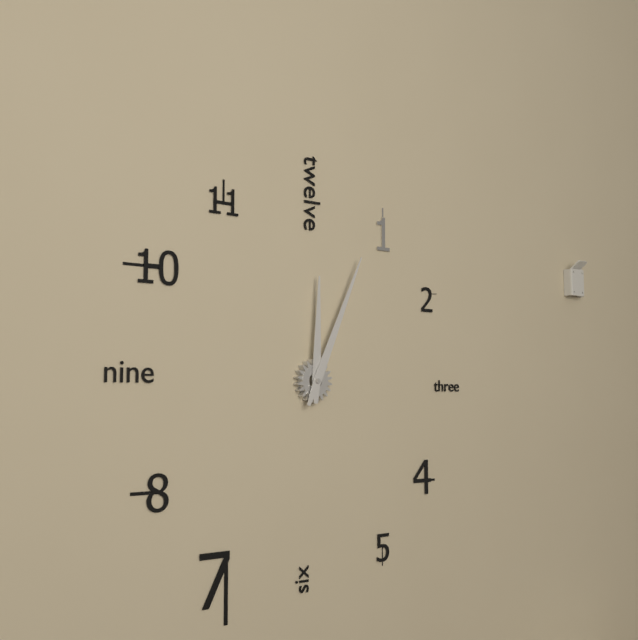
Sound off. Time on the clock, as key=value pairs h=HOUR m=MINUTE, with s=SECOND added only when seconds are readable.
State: h=12 m=4
